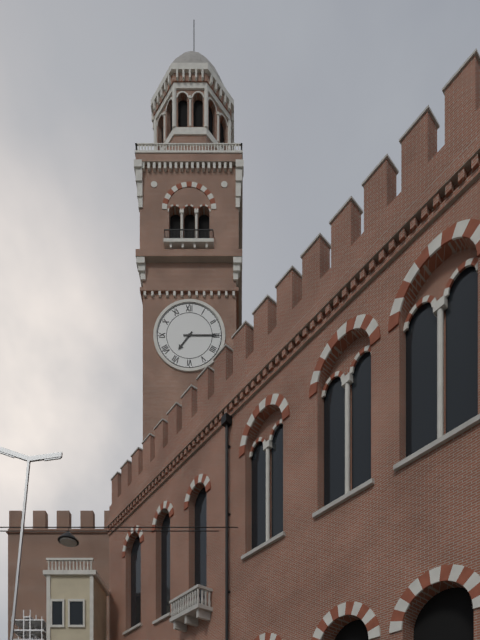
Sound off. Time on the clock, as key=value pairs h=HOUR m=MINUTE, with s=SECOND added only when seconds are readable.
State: h=7 m=15
